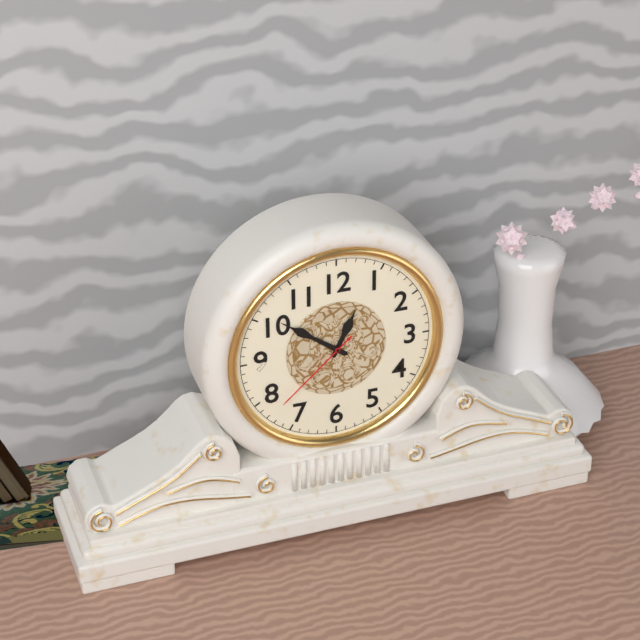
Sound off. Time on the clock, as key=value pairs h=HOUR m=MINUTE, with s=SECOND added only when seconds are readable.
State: h=12 m=51 s=38
